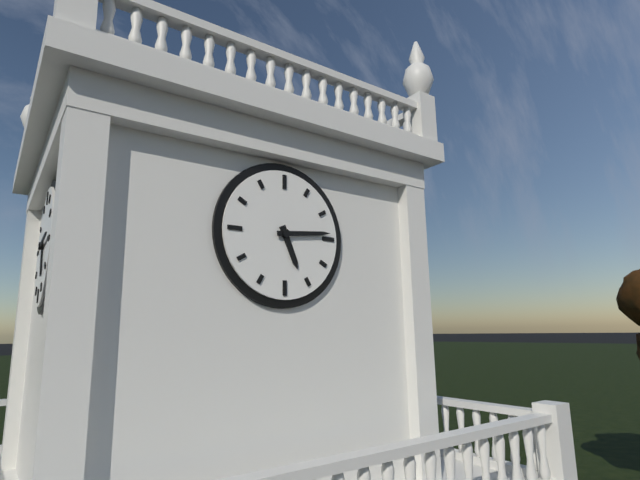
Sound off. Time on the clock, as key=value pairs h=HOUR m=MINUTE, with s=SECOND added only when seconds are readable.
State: h=5 m=14
